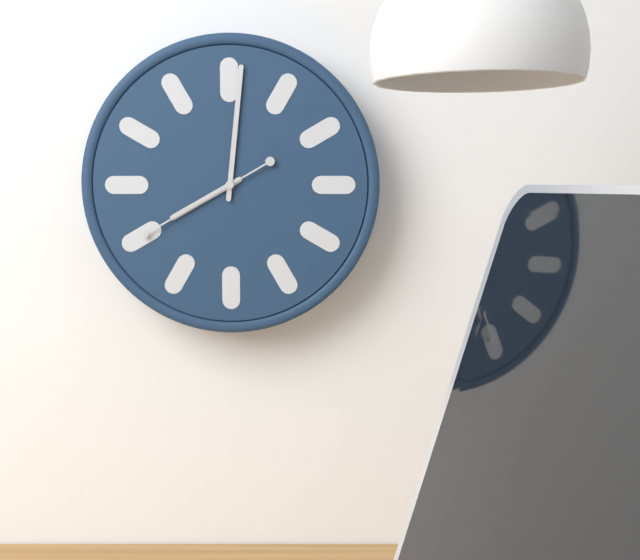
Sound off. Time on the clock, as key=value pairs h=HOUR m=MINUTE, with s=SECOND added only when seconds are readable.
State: h=8 m=1 s=40
